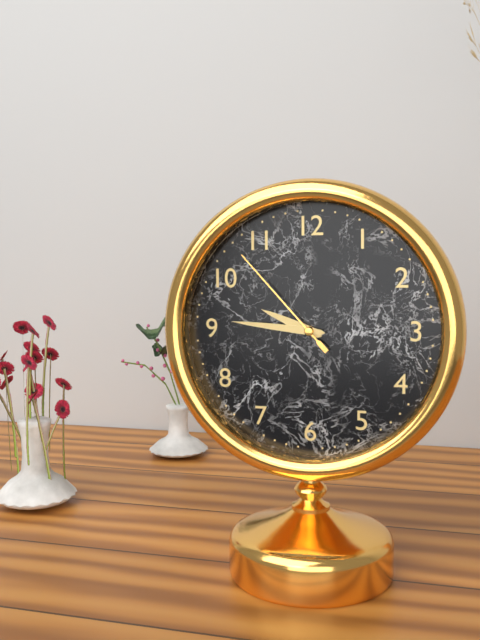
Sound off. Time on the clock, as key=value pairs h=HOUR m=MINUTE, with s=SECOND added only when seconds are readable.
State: h=9 m=46 s=53
